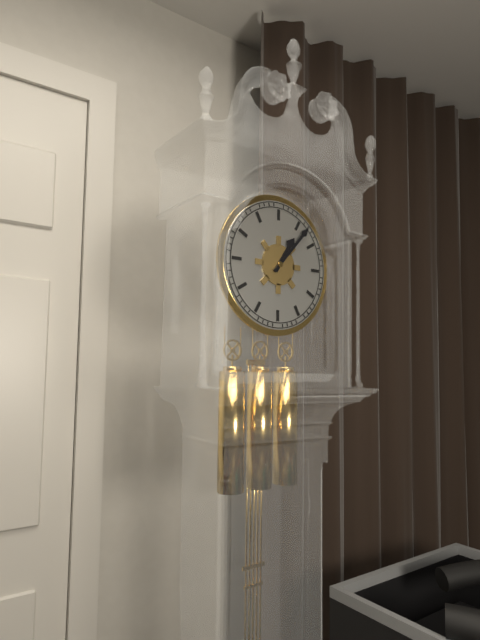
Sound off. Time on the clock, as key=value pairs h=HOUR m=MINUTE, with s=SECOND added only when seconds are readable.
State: h=1 m=7
